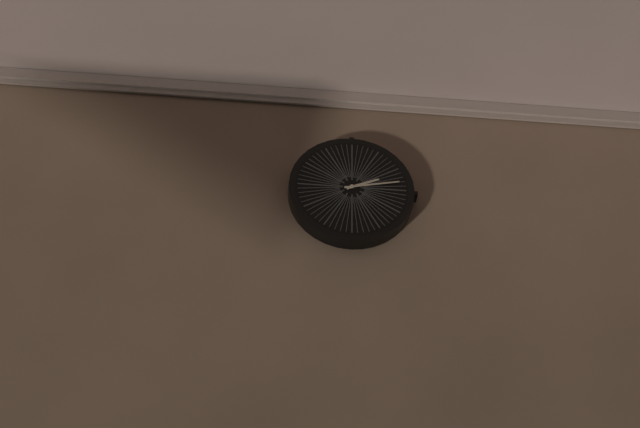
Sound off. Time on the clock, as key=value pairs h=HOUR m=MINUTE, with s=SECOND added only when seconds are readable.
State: h=2 m=13
